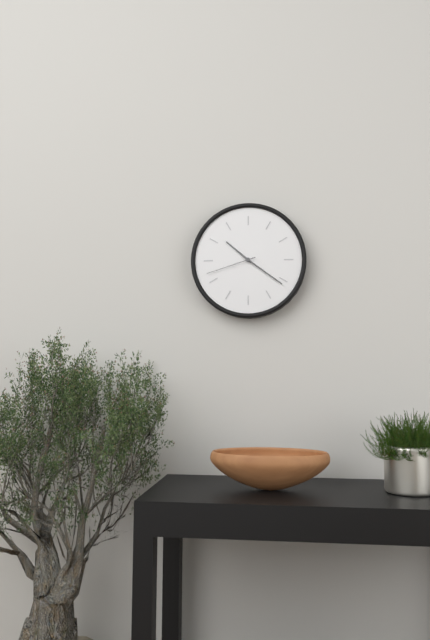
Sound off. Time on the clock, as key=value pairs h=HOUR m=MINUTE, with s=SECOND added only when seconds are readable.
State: h=10 m=21 s=42
